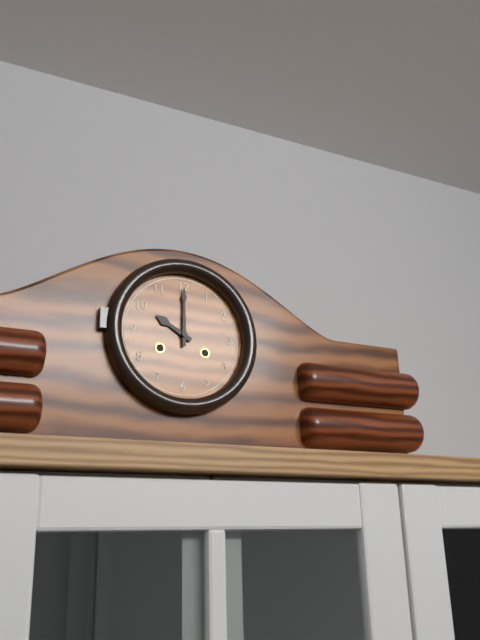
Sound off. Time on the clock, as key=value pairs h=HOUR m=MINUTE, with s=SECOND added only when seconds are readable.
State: h=10 m=0
